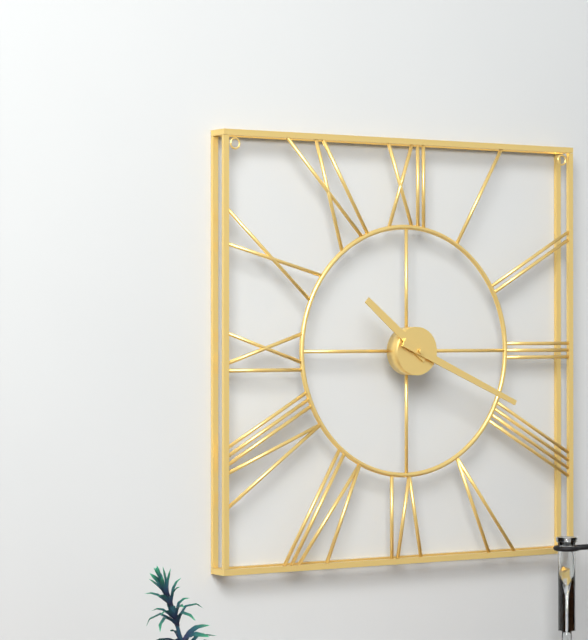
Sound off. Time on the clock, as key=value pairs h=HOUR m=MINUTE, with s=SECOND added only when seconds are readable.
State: h=10 m=19
